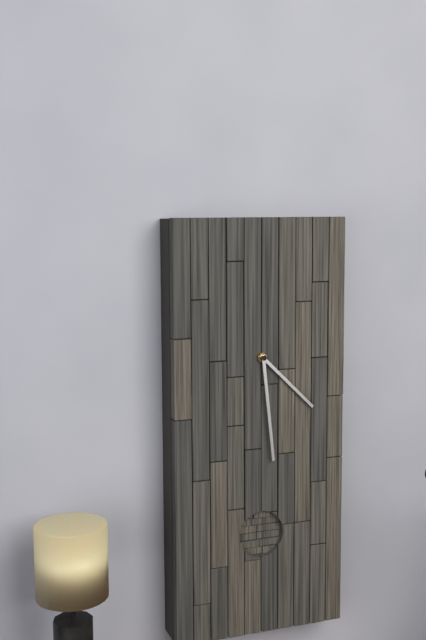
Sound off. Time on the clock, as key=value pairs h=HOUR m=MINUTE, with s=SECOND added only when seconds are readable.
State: h=4 m=29
